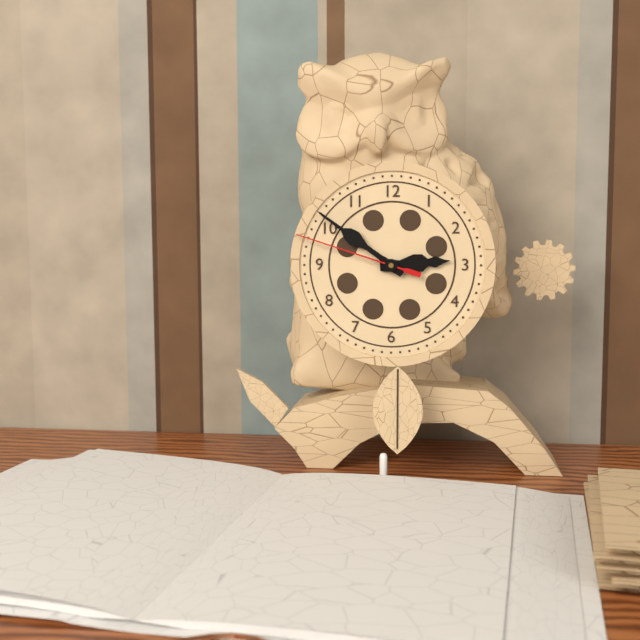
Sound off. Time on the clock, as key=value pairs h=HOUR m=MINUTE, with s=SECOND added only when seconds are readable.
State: h=2 m=51 s=48
